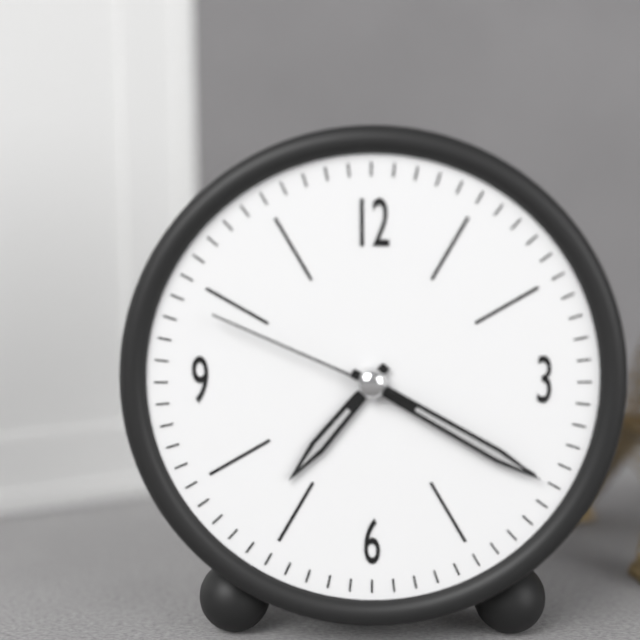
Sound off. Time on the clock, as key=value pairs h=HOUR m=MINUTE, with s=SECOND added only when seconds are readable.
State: h=7 m=20 s=49
